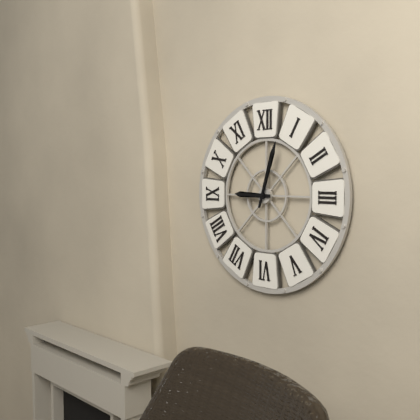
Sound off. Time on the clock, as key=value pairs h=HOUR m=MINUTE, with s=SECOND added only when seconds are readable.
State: h=9 m=3
